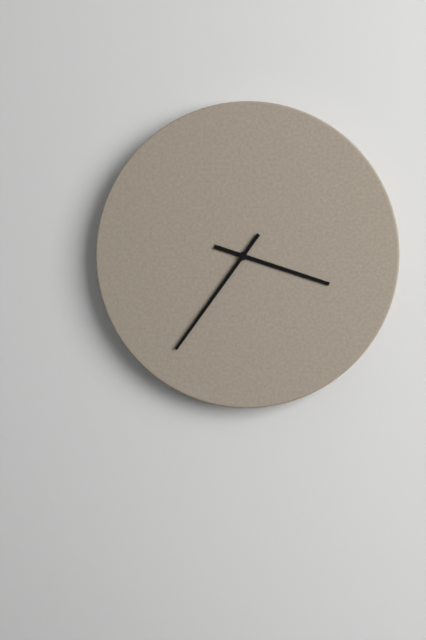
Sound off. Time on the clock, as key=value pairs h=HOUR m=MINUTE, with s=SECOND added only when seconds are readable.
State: h=3 m=36
